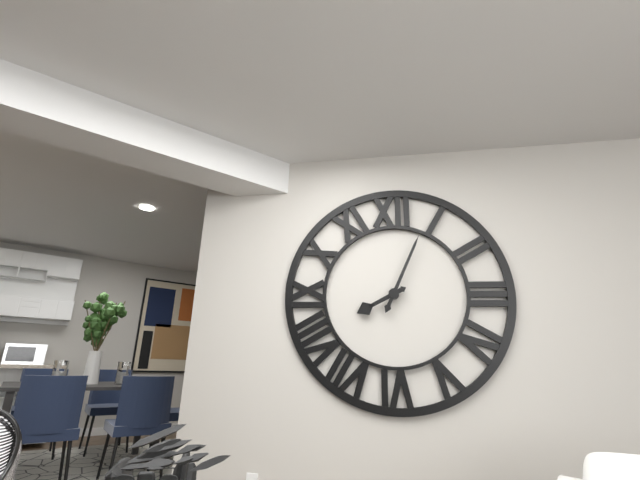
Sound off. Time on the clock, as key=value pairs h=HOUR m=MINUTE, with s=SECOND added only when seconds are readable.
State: h=8 m=4
